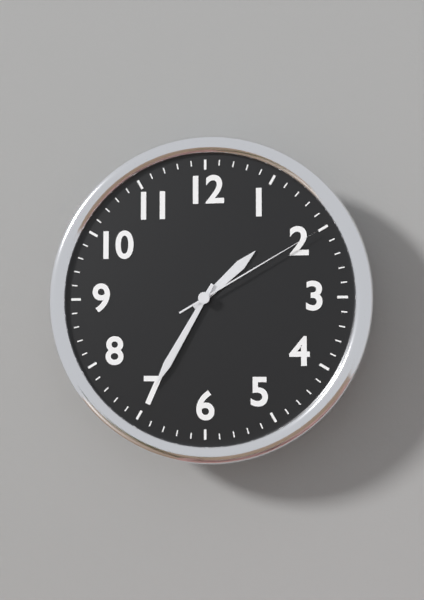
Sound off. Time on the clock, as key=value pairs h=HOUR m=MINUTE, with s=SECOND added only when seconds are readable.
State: h=1 m=35 s=10
